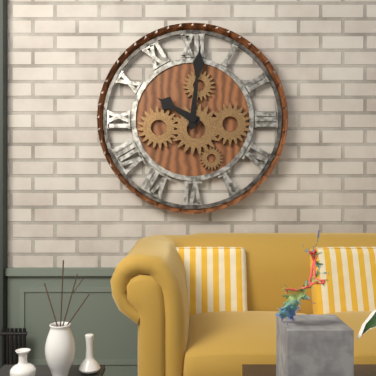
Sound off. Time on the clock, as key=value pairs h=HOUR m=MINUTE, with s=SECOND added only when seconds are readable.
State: h=10 m=1
